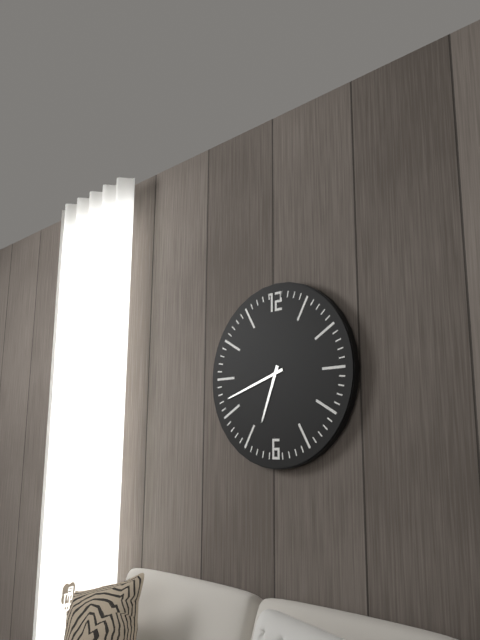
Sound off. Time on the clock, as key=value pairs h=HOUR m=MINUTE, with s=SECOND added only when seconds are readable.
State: h=6 m=42
